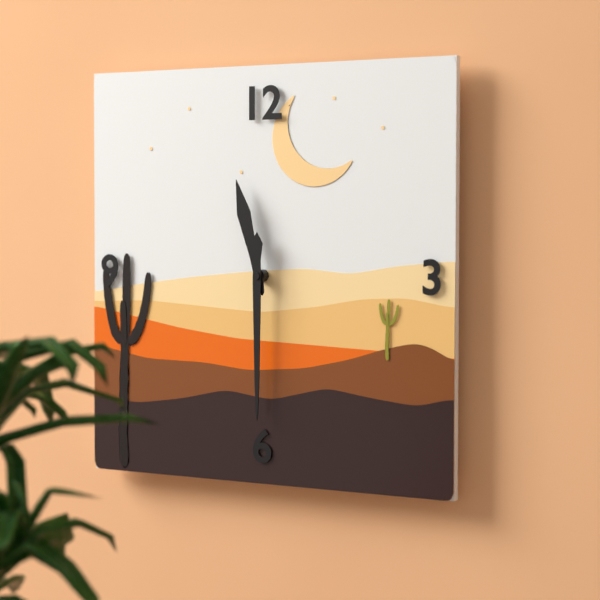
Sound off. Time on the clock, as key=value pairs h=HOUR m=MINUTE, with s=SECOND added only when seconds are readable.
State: h=11 m=30
